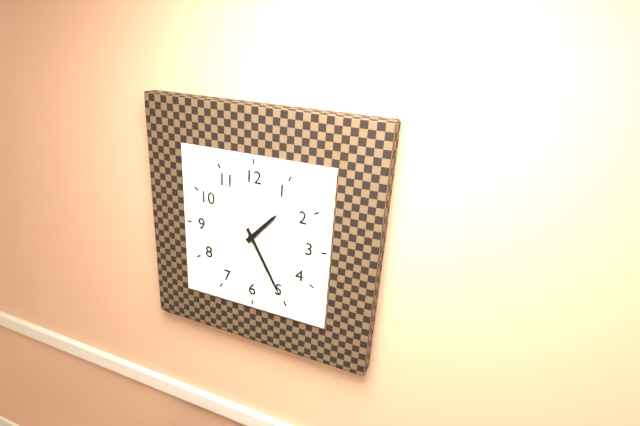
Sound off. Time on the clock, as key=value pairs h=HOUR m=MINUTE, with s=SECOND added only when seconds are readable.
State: h=1 m=25
